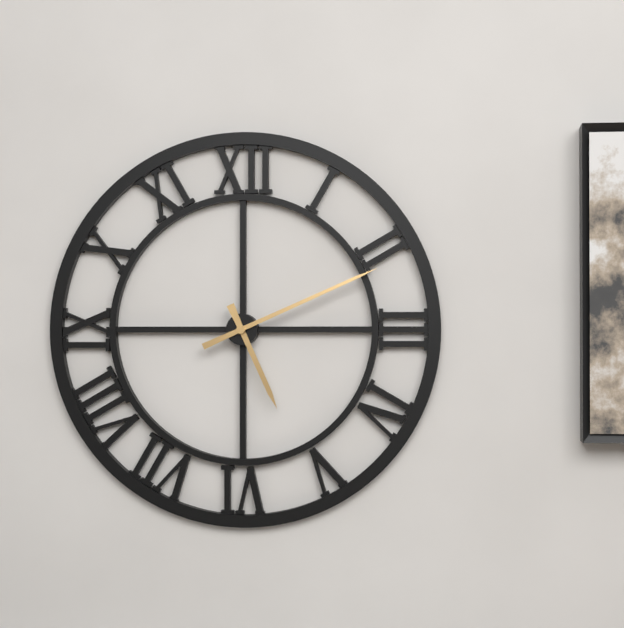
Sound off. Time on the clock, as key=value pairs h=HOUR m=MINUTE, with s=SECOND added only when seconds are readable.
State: h=5 m=11
